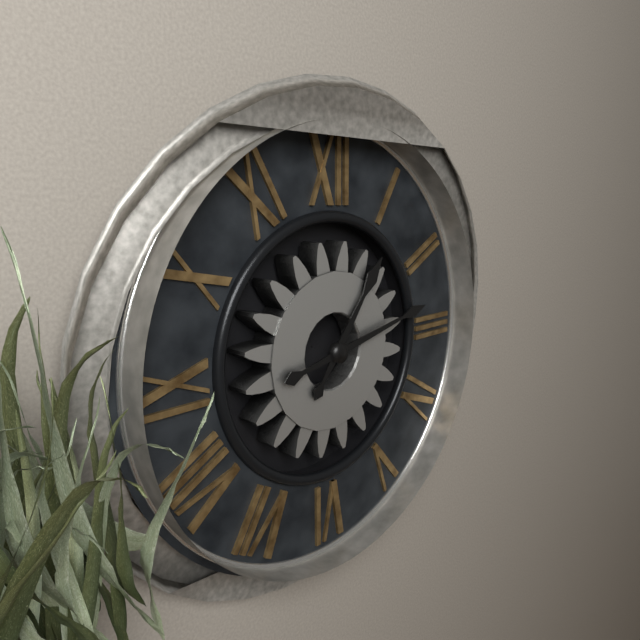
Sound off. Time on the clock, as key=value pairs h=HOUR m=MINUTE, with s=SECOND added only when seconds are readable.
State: h=1 m=13
